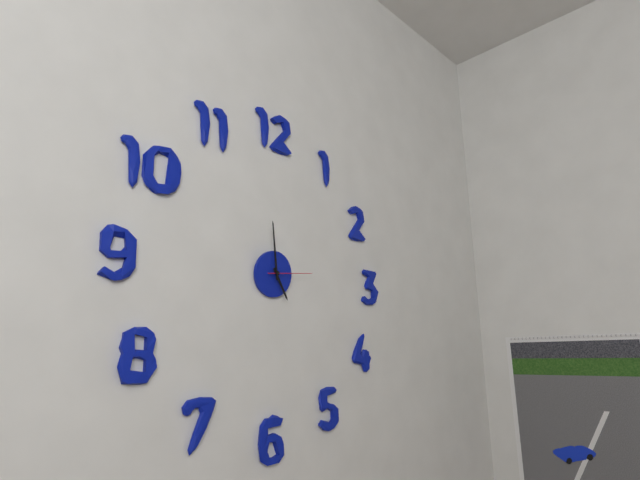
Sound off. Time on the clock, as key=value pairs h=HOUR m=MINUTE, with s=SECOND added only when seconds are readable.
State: h=4 m=59
